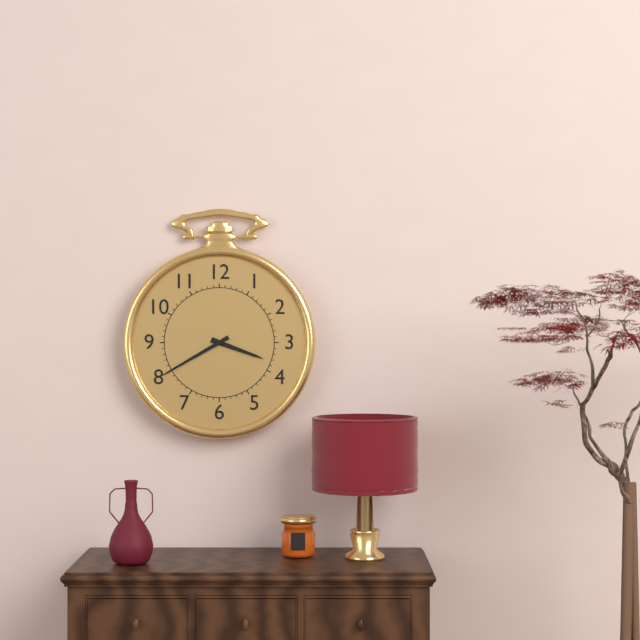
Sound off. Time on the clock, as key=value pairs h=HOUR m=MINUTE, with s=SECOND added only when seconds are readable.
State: h=3 m=40
